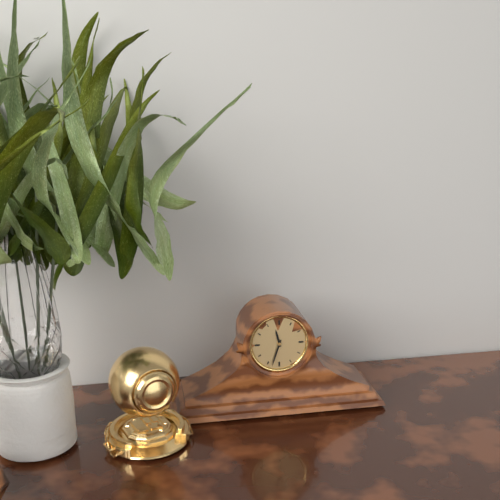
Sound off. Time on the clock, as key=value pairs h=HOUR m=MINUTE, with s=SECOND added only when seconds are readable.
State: h=11 m=33
